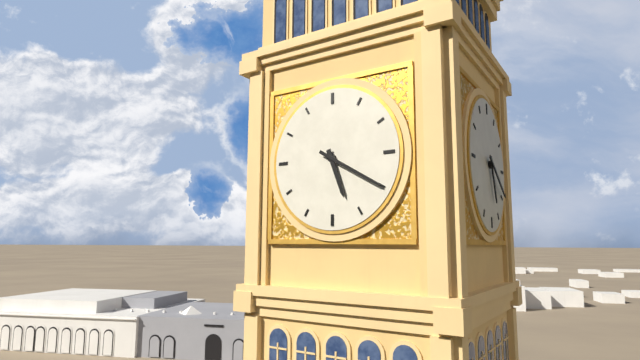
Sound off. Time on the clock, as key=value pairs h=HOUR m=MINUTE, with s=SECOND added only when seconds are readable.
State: h=5 m=20
